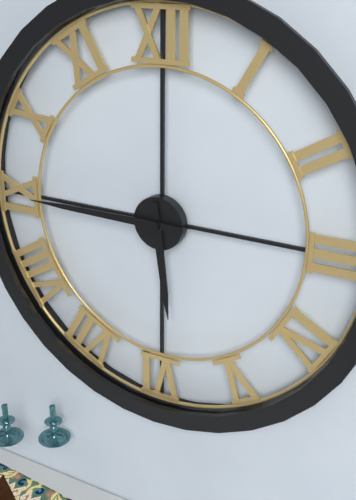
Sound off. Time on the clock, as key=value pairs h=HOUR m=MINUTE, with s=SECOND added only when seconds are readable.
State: h=5 m=45
